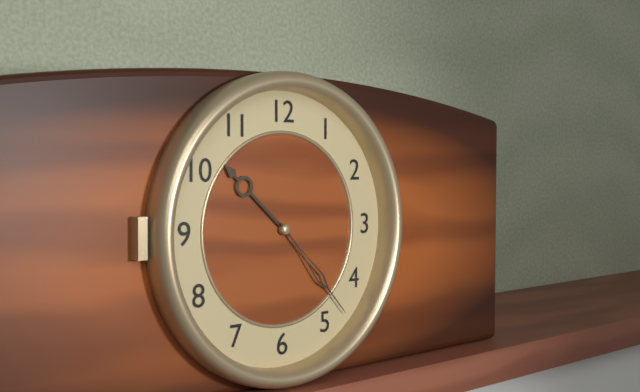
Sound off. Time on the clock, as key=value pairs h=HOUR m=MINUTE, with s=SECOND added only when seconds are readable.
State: h=10 m=23
